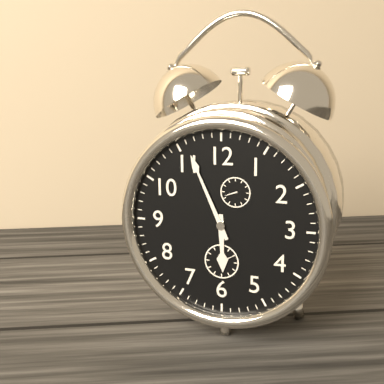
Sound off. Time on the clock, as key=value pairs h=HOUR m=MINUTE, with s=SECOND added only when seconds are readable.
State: h=5 m=56
